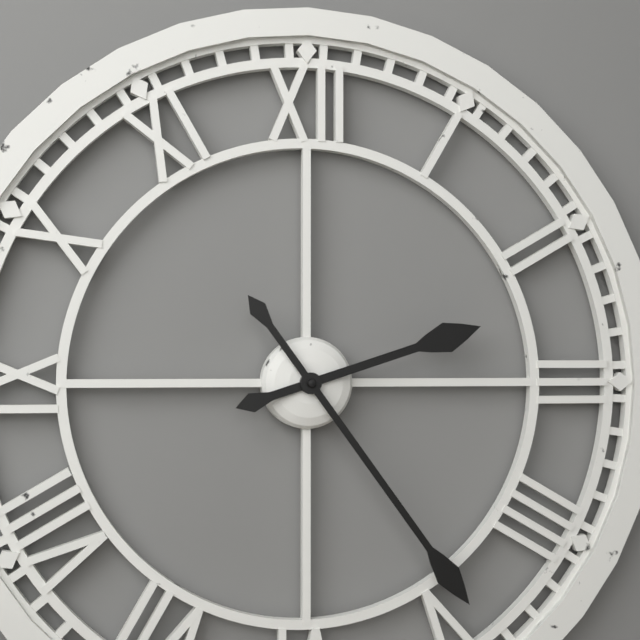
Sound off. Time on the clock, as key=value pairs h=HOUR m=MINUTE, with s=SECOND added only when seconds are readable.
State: h=2 m=24
